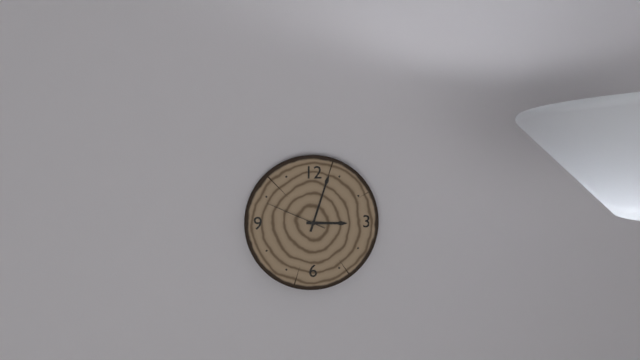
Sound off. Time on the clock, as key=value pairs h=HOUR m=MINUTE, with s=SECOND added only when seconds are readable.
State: h=3 m=3 s=49
